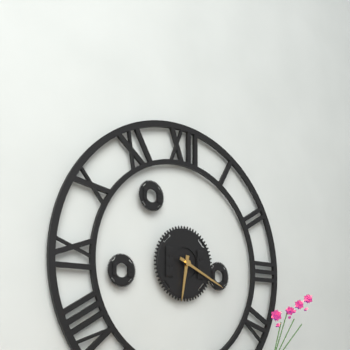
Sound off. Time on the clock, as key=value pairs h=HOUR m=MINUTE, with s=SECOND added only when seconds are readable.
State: h=6 m=19
